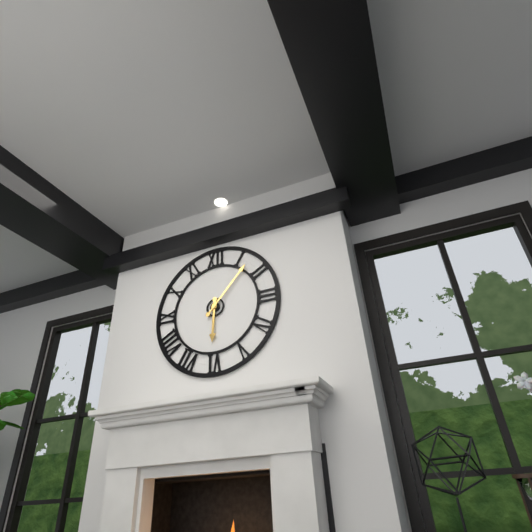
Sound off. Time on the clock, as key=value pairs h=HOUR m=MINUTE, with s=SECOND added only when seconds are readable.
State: h=6 m=7
